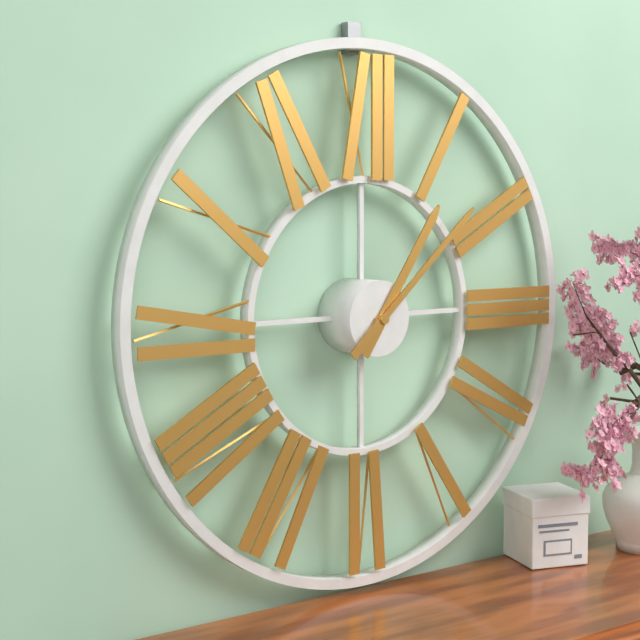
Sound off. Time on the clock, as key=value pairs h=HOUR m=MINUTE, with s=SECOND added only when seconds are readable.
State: h=1 m=8
